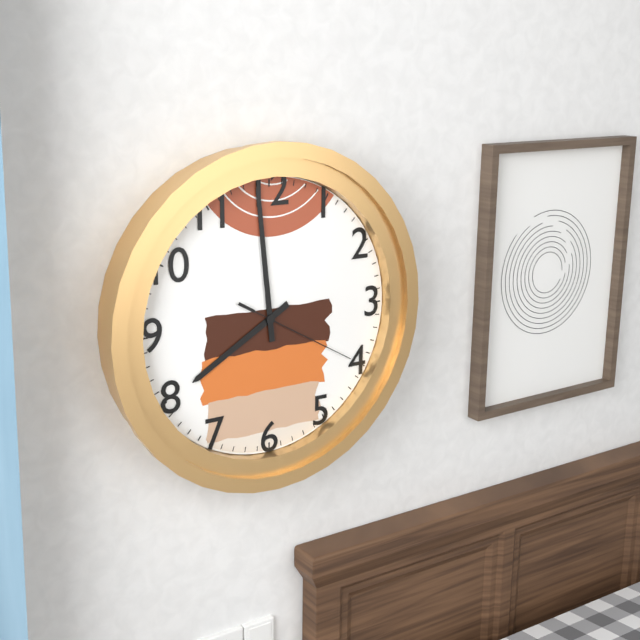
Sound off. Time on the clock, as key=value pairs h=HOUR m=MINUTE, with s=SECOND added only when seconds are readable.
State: h=7 m=59 s=20
